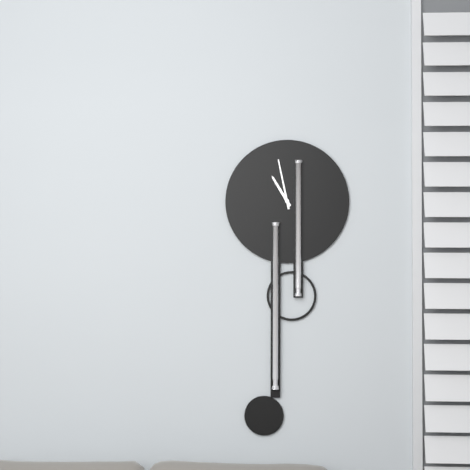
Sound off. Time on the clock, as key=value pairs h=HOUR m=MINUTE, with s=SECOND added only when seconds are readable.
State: h=10 m=58
